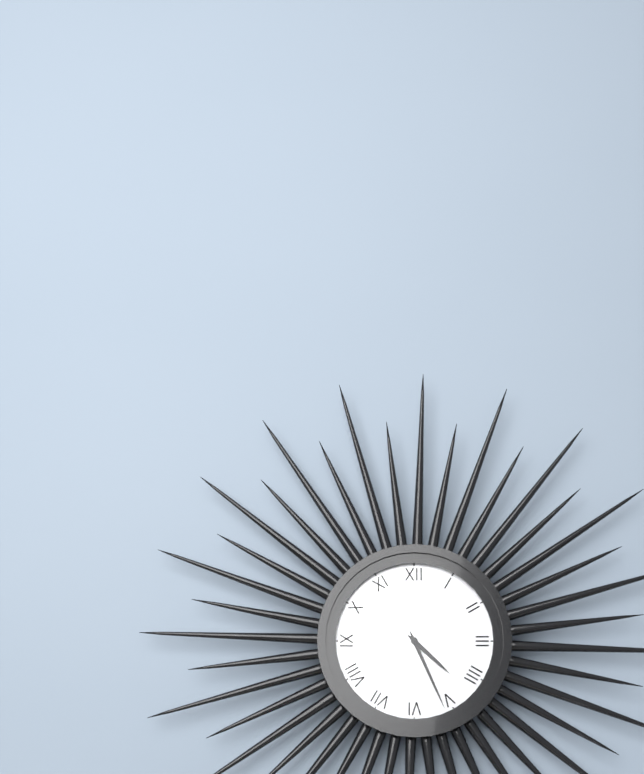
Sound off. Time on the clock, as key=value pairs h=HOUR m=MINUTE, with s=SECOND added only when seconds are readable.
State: h=4 m=26
